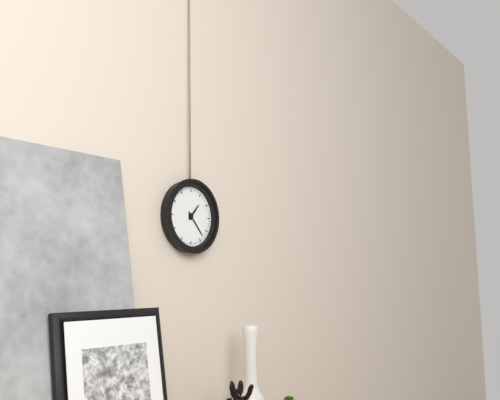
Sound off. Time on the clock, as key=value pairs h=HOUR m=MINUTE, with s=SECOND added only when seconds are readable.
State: h=1 m=23
